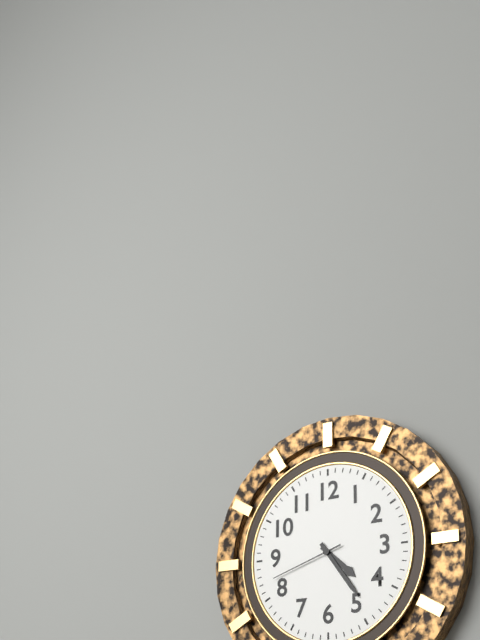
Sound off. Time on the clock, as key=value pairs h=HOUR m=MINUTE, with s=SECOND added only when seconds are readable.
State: h=4 m=24 s=42
